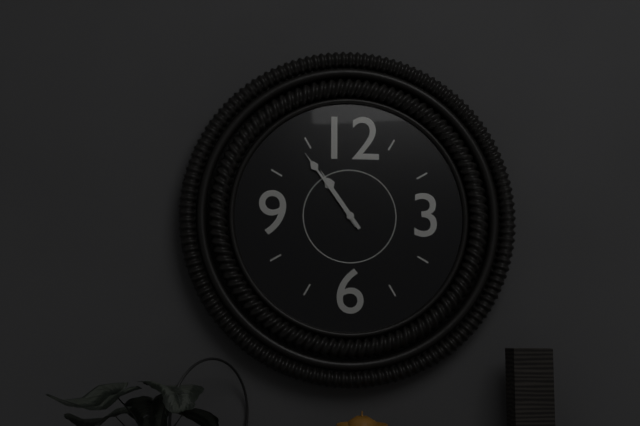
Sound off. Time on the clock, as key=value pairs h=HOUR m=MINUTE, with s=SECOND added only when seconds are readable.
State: h=10 m=54
